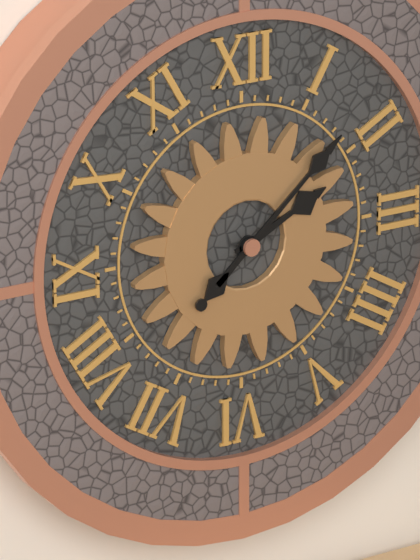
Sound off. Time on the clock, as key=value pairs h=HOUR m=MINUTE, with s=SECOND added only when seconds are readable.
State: h=2 m=8
